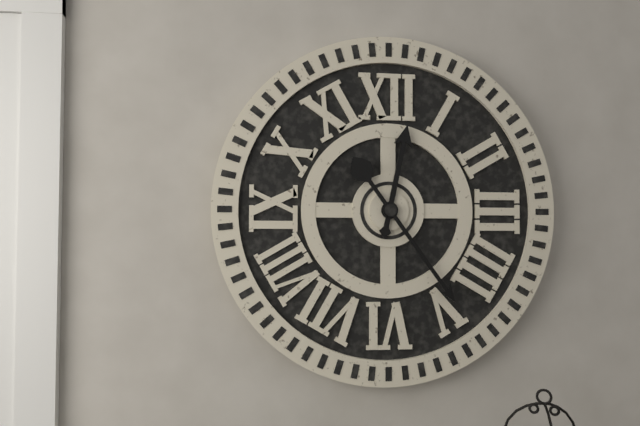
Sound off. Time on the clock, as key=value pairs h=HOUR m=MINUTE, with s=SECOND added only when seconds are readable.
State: h=12 m=24
